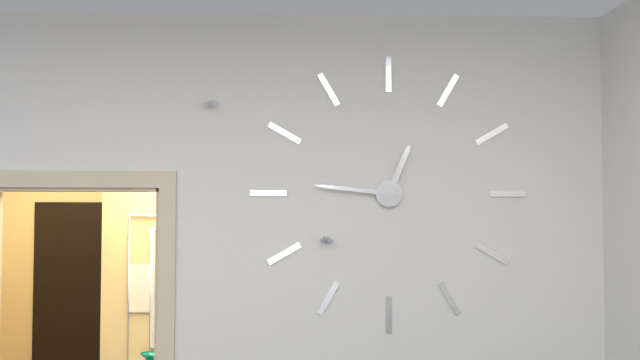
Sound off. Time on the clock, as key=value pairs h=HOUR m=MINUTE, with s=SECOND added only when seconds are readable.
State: h=12 m=46
